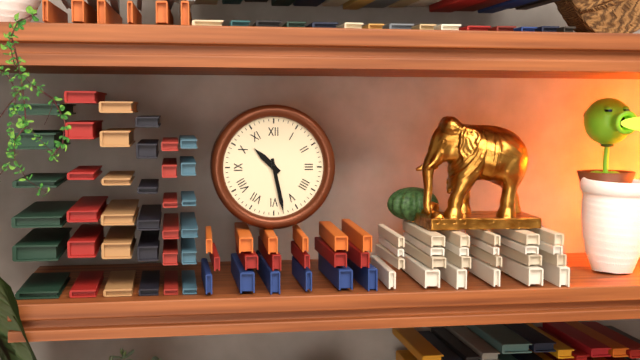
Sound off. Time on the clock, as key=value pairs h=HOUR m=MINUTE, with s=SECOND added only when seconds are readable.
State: h=10 m=28
